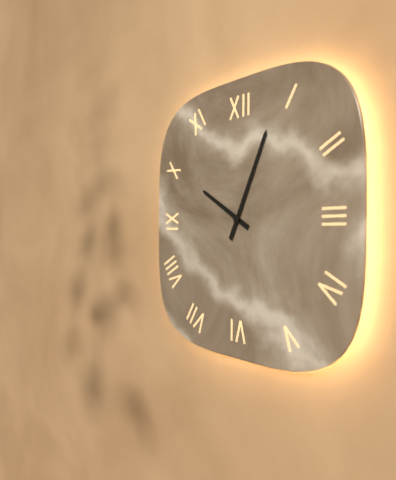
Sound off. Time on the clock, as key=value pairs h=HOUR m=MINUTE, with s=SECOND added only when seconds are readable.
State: h=10 m=4
